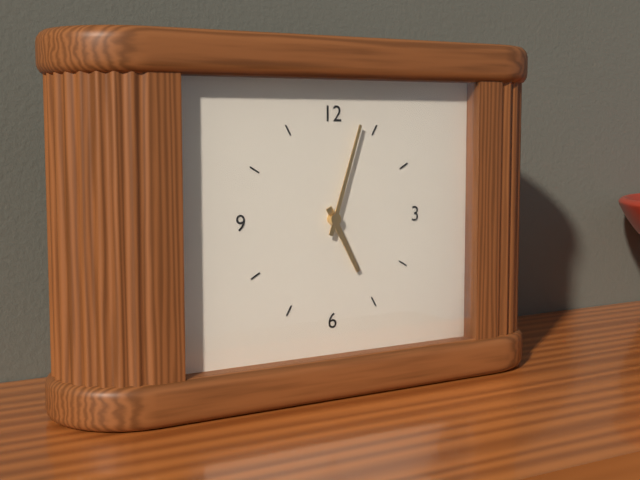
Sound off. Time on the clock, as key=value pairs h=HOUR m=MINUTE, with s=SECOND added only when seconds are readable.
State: h=5 m=3
